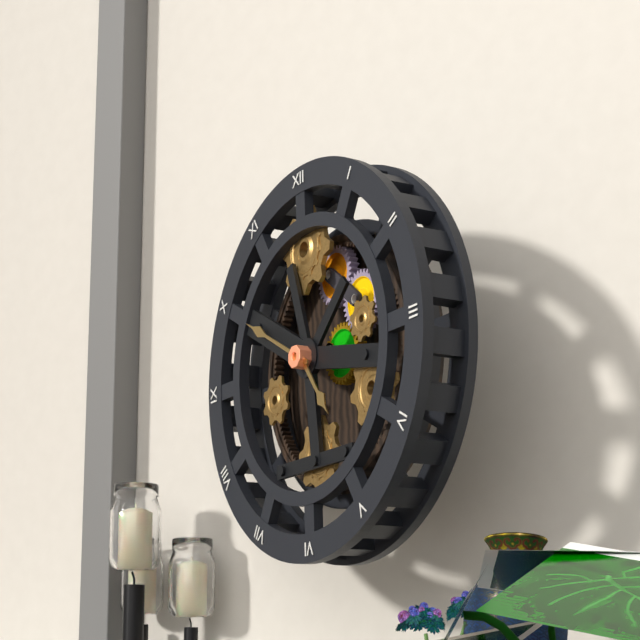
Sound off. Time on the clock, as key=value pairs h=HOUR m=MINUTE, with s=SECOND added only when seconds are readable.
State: h=4 m=50
